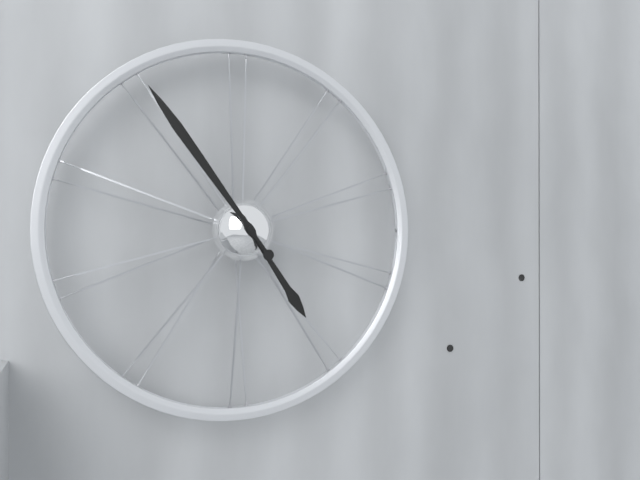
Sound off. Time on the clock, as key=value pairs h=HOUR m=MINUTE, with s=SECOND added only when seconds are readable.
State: h=4 m=54
